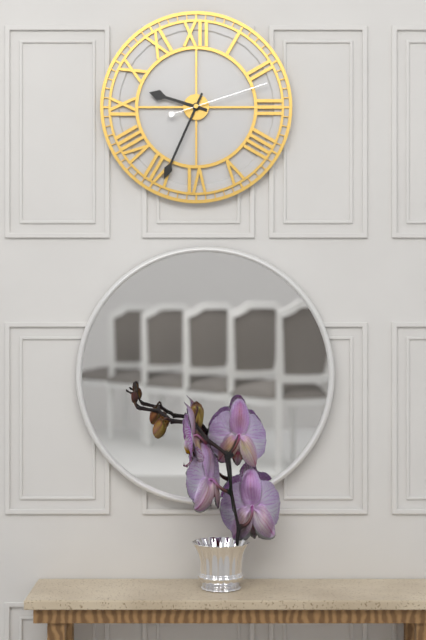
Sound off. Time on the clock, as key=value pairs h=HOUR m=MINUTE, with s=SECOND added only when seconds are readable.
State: h=9 m=34 s=12
